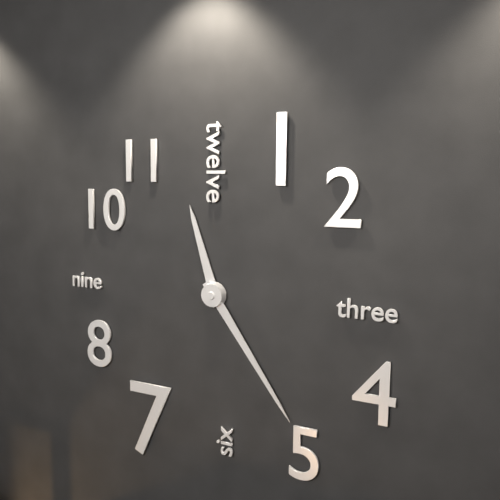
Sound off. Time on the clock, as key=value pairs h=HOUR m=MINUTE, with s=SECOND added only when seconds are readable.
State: h=11 m=24
